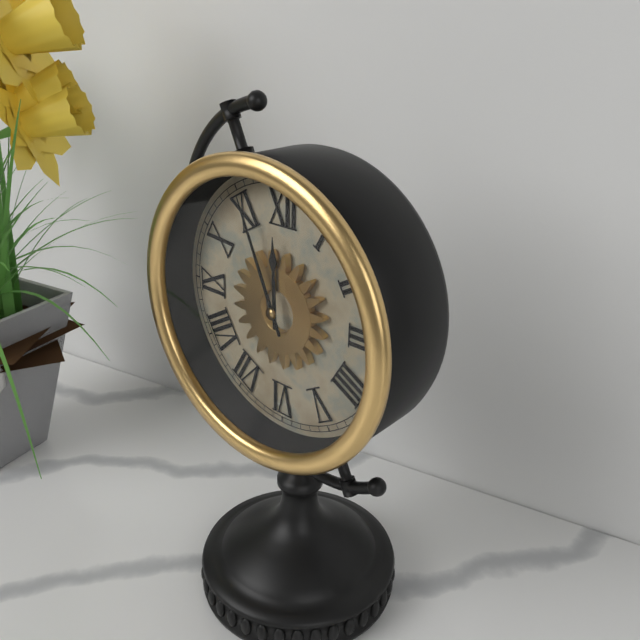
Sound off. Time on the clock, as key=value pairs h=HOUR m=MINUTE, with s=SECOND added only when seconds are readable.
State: h=11 m=56
